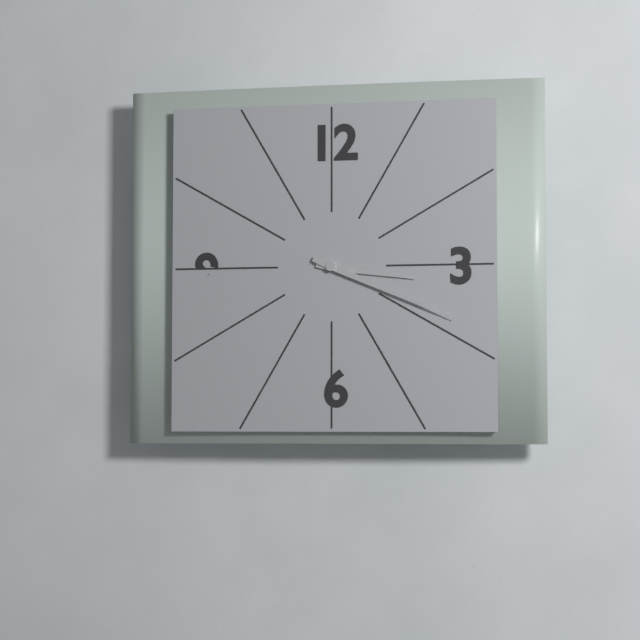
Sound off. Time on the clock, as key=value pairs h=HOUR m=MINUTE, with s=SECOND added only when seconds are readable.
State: h=3 m=19
